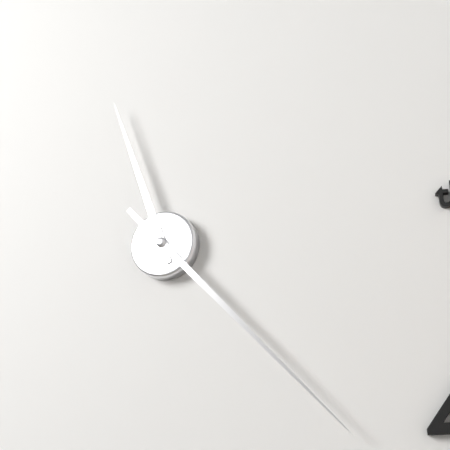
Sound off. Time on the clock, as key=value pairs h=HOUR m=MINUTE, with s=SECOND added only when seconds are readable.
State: h=11 m=23
